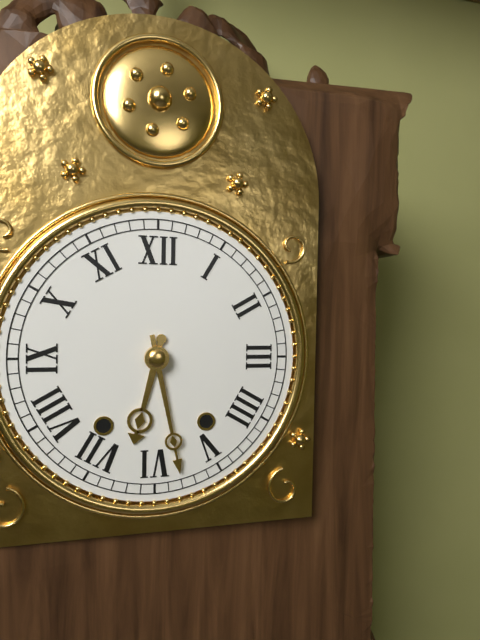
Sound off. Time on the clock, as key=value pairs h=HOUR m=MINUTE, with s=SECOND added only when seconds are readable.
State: h=6 m=28
